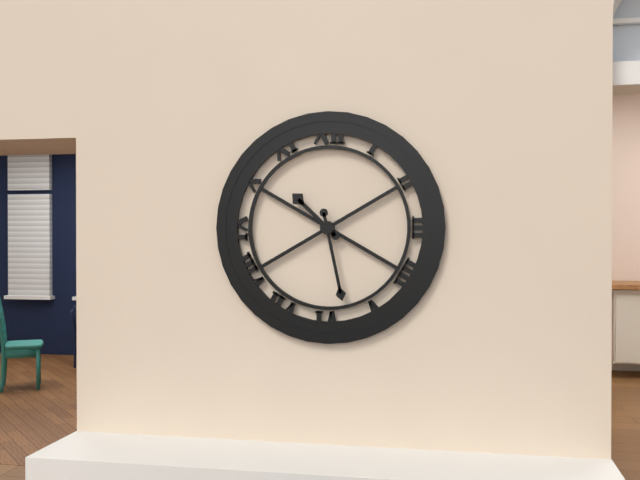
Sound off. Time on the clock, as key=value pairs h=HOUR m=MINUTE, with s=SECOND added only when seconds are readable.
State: h=10 m=28
